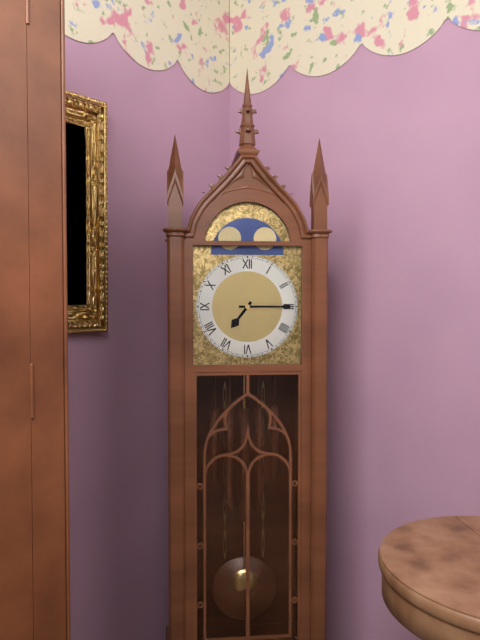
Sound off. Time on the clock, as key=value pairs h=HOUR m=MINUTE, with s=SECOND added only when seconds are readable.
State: h=7 m=15
